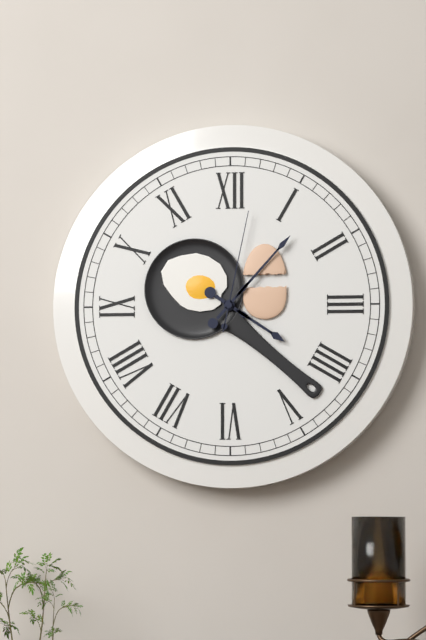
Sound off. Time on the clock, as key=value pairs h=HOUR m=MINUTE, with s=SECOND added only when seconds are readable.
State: h=4 m=7 s=2
